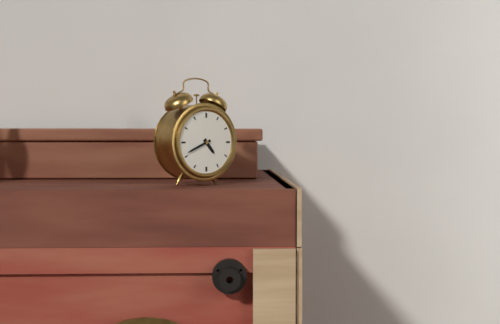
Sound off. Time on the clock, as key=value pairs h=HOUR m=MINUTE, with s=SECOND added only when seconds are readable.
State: h=4 m=41
